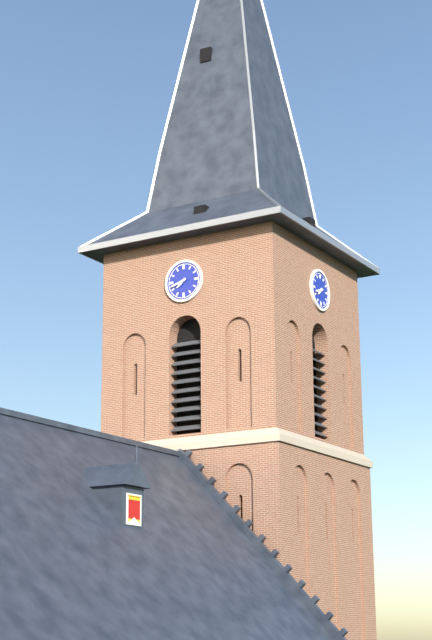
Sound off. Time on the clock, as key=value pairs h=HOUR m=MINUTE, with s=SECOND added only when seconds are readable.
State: h=7 m=42
